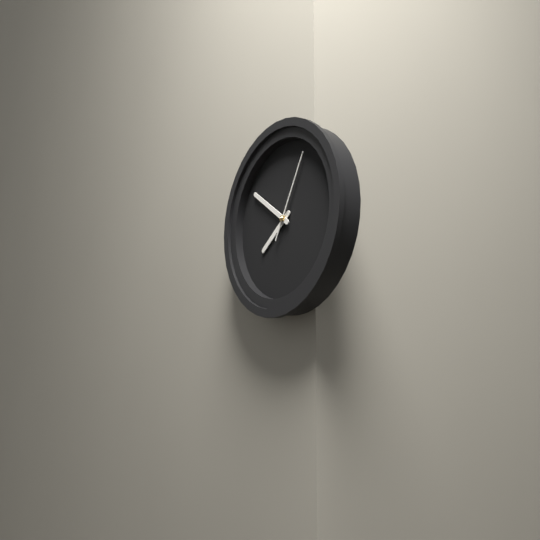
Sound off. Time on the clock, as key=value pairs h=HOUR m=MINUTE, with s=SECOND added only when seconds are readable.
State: h=7 m=51 s=5
